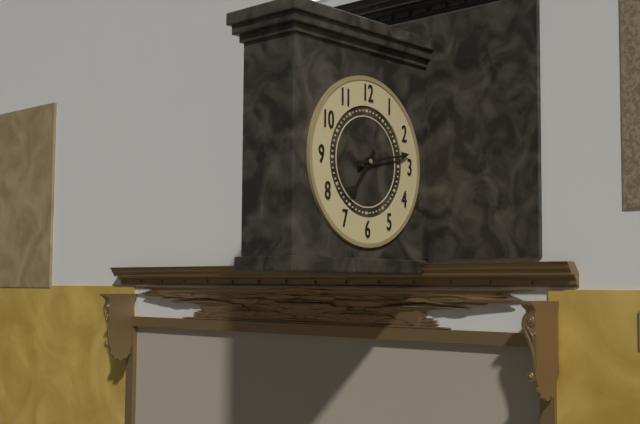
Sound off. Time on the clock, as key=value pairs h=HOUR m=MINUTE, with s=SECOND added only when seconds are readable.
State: h=7 m=13
